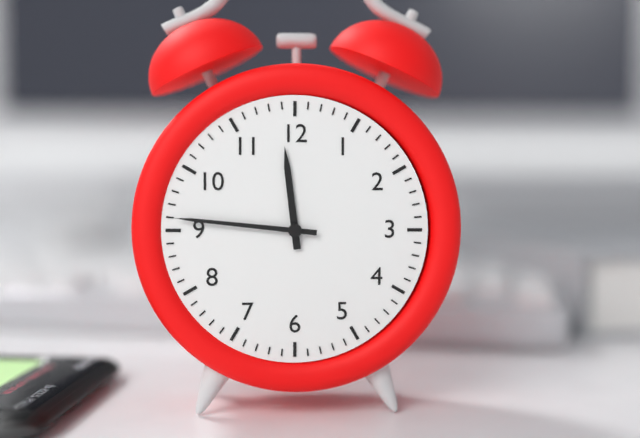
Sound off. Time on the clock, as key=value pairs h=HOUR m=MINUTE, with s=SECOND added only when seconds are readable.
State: h=11 m=46
